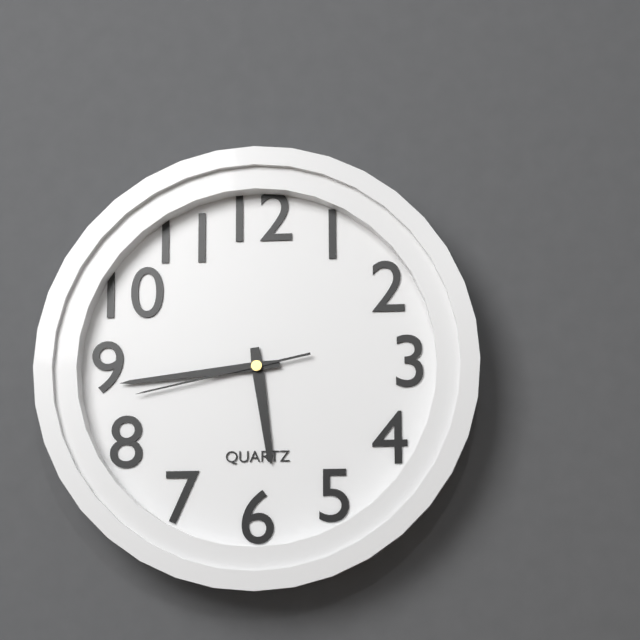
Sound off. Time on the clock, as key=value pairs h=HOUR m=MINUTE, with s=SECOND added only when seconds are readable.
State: h=5 m=44 s=43
